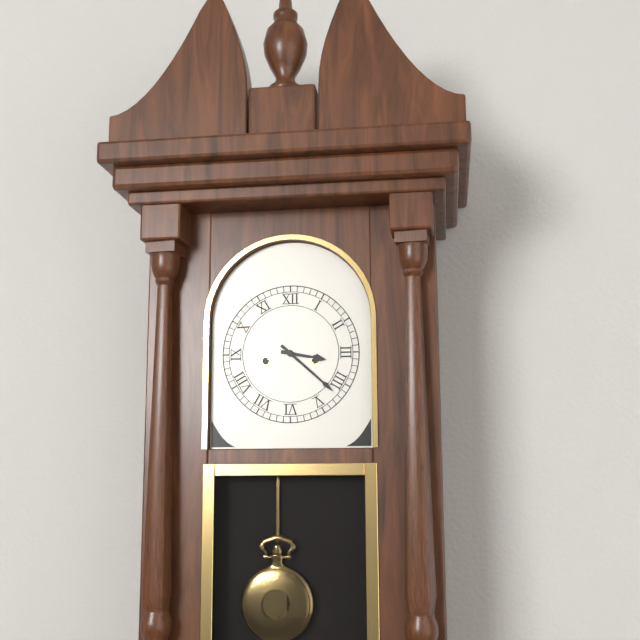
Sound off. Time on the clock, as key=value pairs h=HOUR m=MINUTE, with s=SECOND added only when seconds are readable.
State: h=3 m=22
